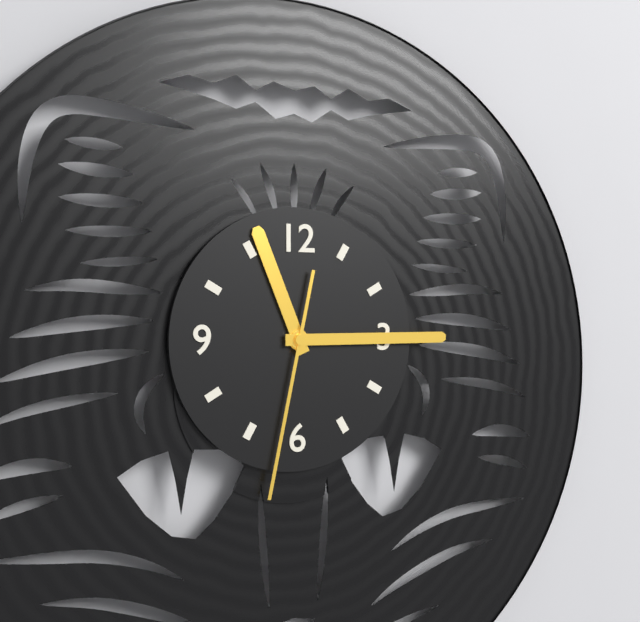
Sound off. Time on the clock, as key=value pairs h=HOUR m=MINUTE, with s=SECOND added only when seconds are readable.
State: h=11 m=15 s=32
